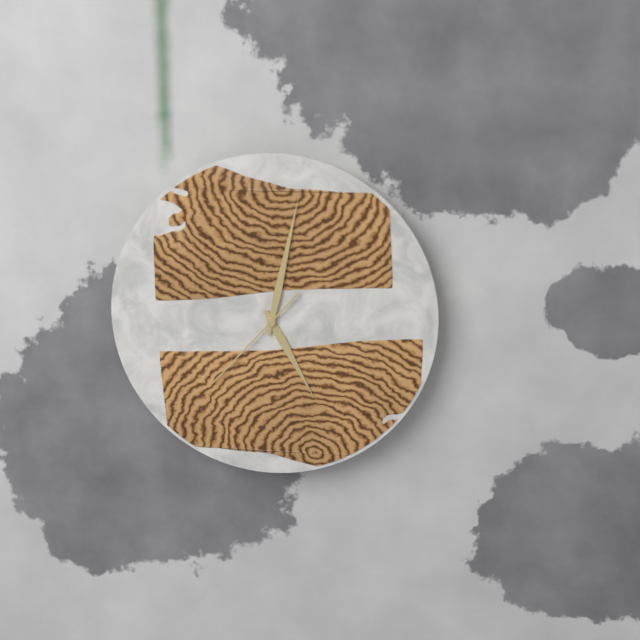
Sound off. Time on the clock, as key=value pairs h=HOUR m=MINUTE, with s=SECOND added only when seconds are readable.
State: h=5 m=2 s=37
